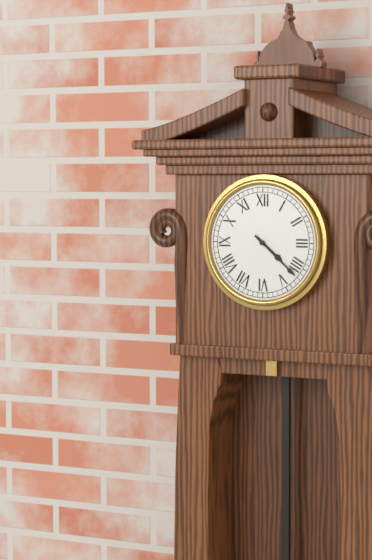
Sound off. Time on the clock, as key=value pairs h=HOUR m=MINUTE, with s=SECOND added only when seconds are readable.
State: h=4 m=22
